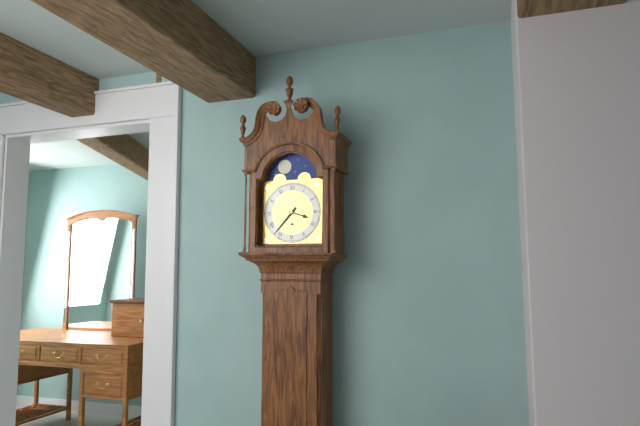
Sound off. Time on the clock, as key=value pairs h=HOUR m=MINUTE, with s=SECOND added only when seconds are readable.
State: h=3 m=37
